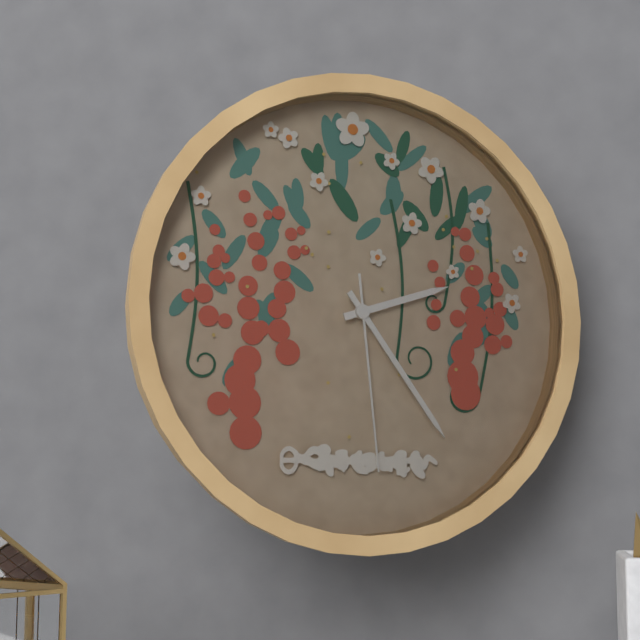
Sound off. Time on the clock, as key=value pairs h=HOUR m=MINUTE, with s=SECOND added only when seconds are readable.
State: h=2 m=24 s=29
